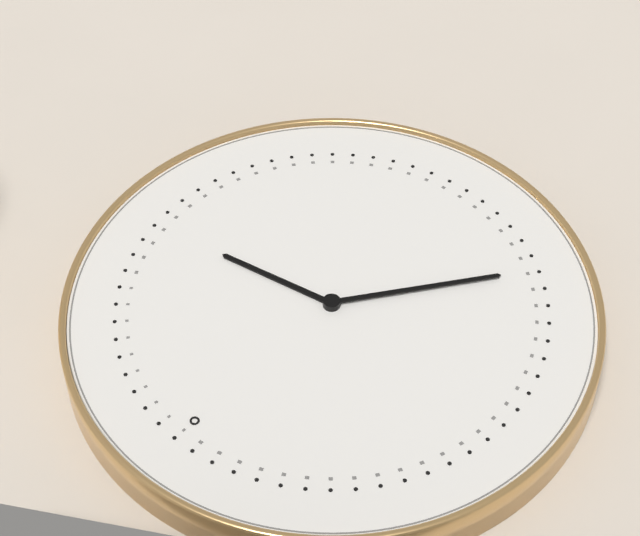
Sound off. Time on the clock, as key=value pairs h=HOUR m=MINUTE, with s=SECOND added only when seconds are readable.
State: h=2 m=36
